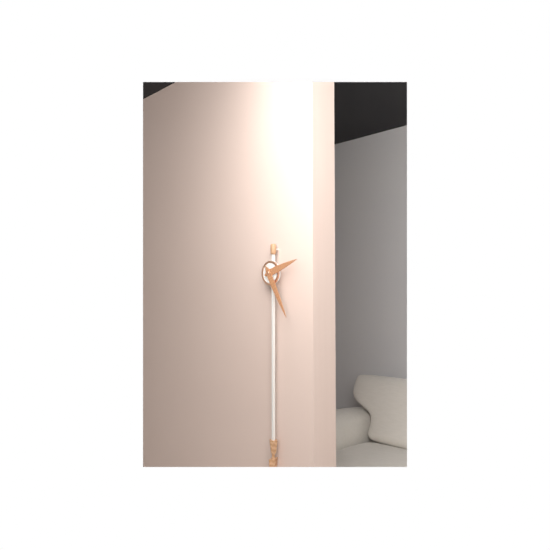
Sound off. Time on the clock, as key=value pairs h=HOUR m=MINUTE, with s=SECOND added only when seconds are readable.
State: h=2 m=25
